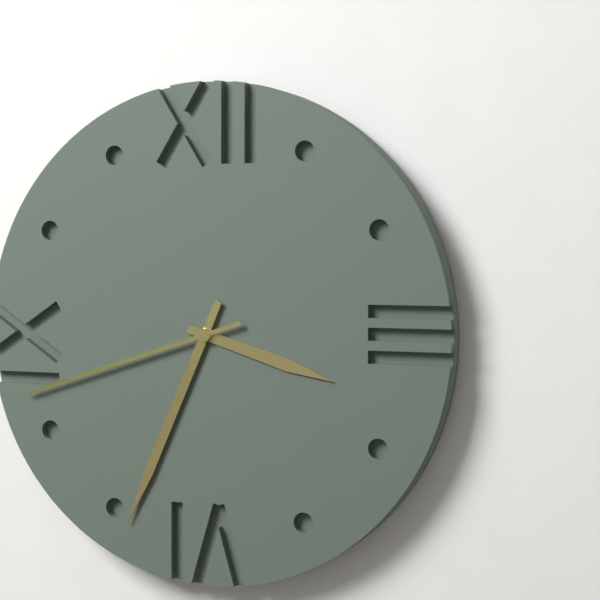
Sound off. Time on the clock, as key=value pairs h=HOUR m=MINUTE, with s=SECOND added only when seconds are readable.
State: h=3 m=34 s=42
